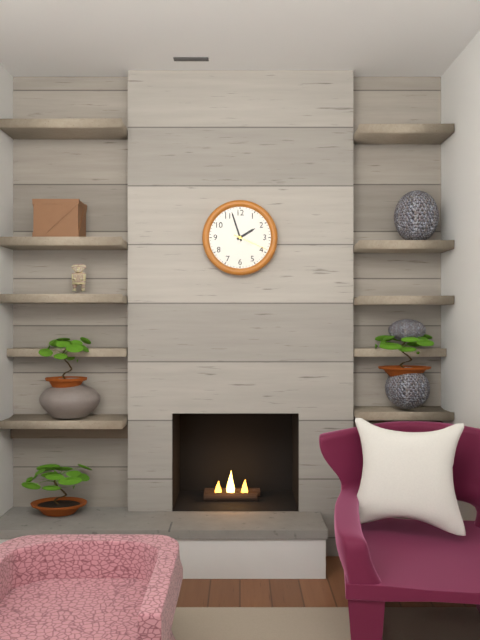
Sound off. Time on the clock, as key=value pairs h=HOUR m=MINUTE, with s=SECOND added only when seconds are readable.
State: h=1 m=57
